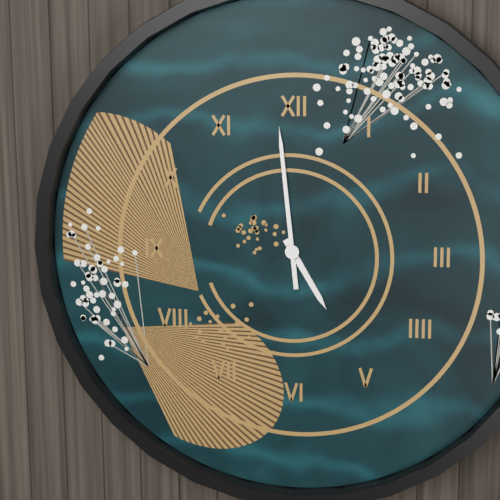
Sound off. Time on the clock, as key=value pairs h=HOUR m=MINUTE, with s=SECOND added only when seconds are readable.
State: h=4 m=59
